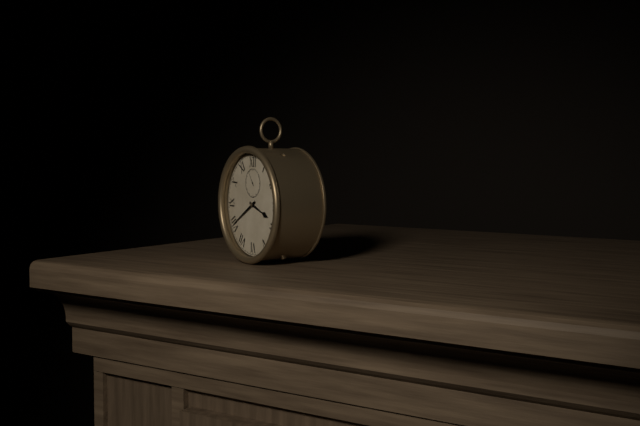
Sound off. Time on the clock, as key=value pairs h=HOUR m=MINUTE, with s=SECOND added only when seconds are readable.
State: h=3 m=40
